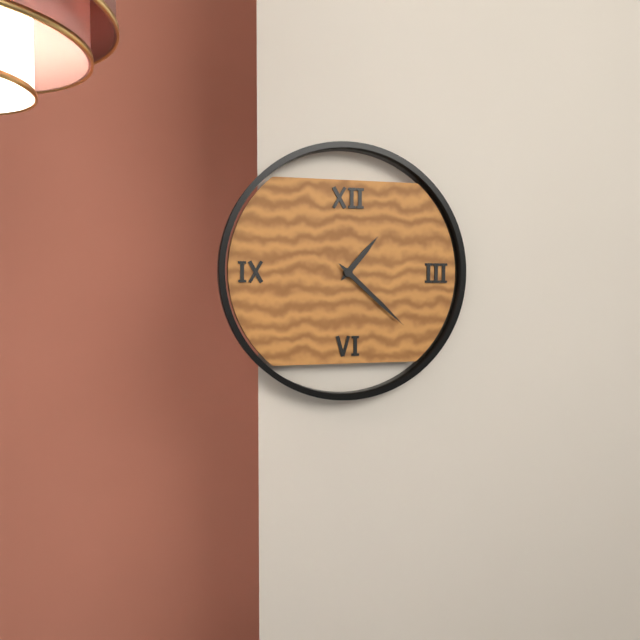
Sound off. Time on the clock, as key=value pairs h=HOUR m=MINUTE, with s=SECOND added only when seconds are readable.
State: h=1 m=22
